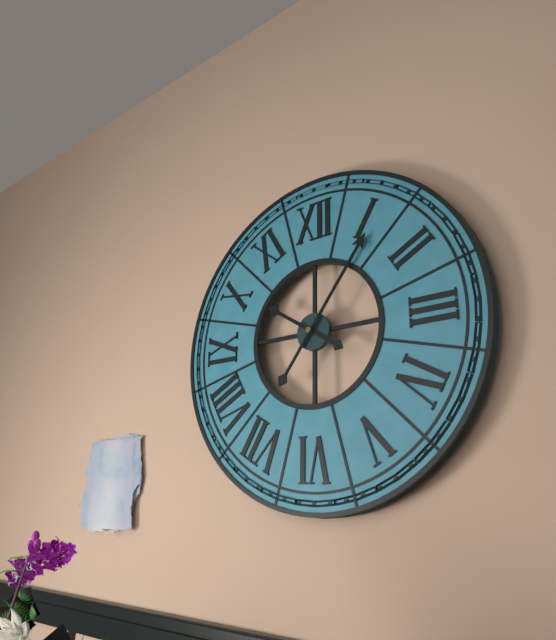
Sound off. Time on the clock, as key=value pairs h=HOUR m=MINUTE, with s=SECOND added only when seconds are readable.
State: h=10 m=6
